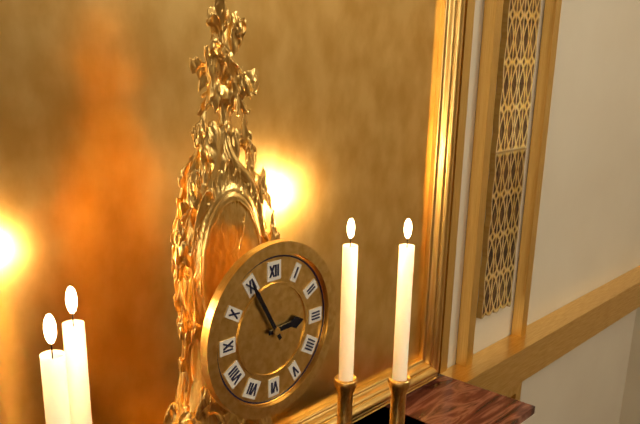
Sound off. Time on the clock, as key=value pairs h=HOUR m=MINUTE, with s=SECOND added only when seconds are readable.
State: h=2 m=55
